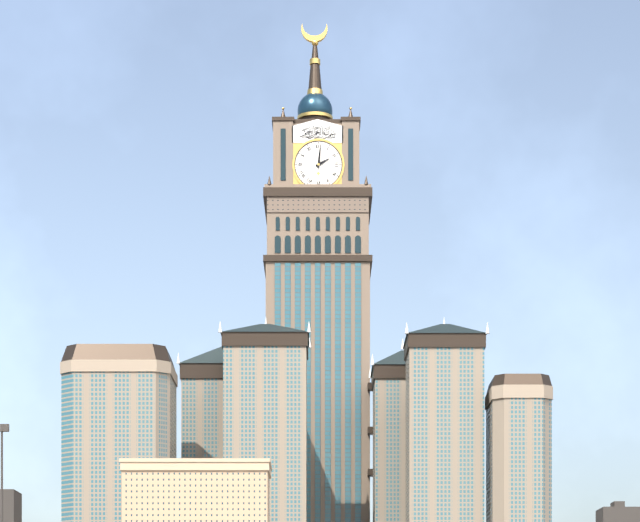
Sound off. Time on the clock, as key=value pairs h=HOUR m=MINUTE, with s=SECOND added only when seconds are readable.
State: h=2 m=1
